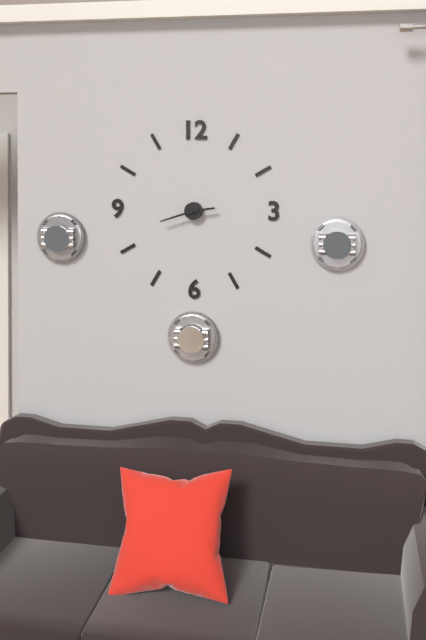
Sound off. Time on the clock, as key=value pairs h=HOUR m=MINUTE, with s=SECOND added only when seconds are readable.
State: h=2 m=42
